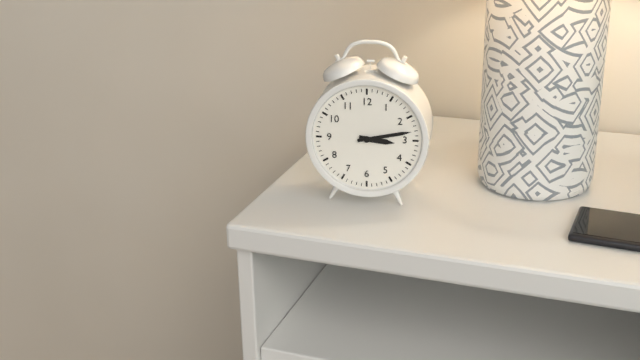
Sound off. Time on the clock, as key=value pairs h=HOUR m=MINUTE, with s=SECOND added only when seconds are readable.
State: h=3 m=13
